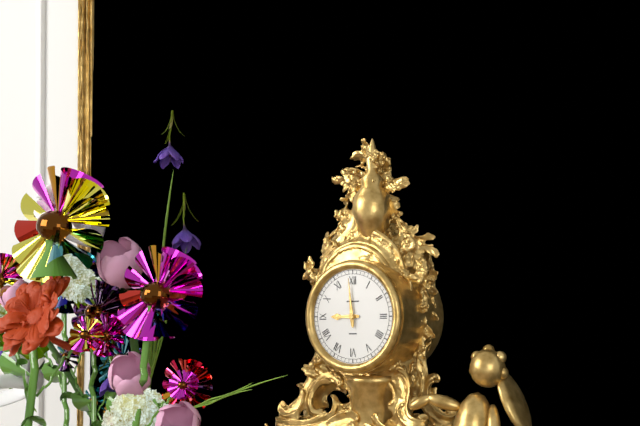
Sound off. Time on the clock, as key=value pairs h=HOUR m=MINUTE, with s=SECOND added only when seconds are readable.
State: h=8 m=59
